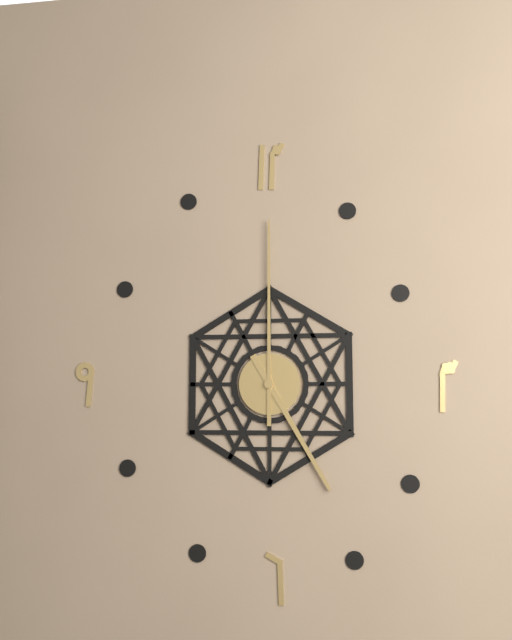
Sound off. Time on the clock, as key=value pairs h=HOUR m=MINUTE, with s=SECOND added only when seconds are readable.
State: h=5 m=0
